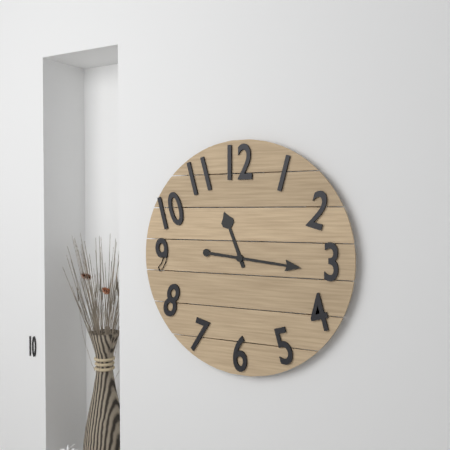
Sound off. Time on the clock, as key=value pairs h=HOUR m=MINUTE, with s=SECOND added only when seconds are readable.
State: h=11 m=16
